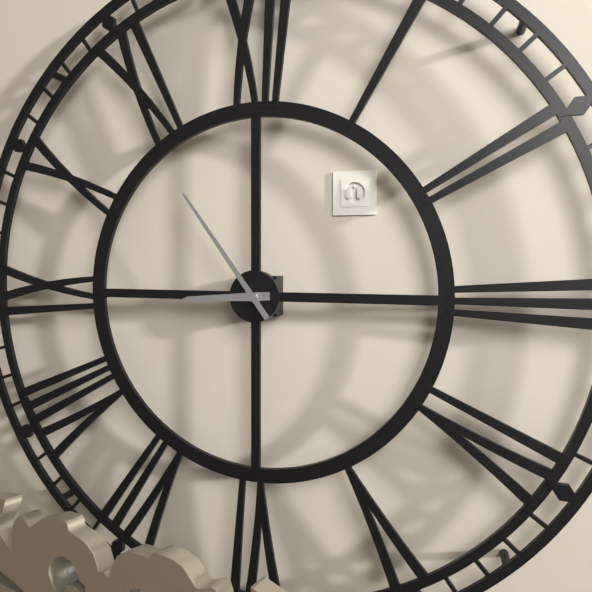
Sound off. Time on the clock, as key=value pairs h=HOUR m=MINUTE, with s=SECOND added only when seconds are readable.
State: h=8 m=54
